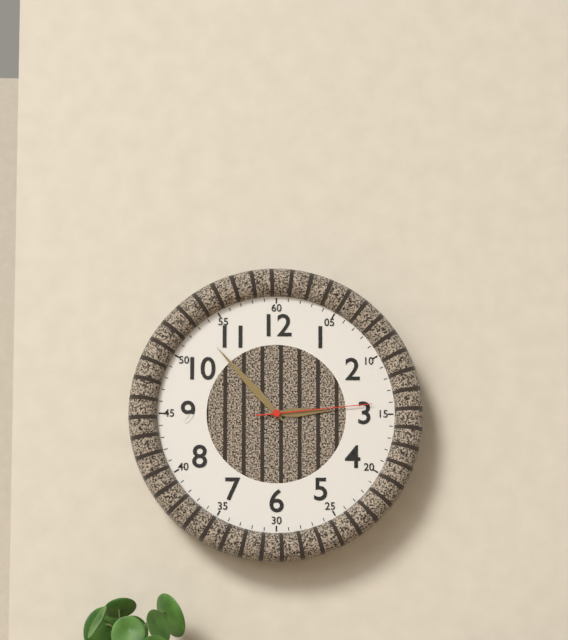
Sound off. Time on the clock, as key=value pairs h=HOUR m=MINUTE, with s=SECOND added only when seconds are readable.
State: h=2 m=53 s=14
